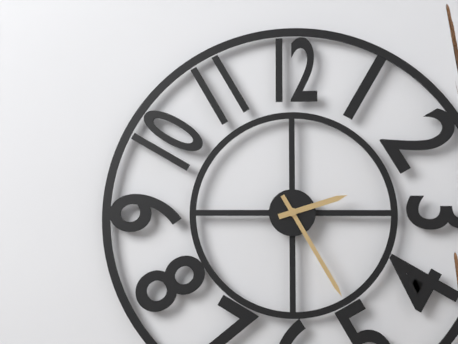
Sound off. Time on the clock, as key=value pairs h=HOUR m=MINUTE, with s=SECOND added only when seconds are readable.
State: h=2 m=25
